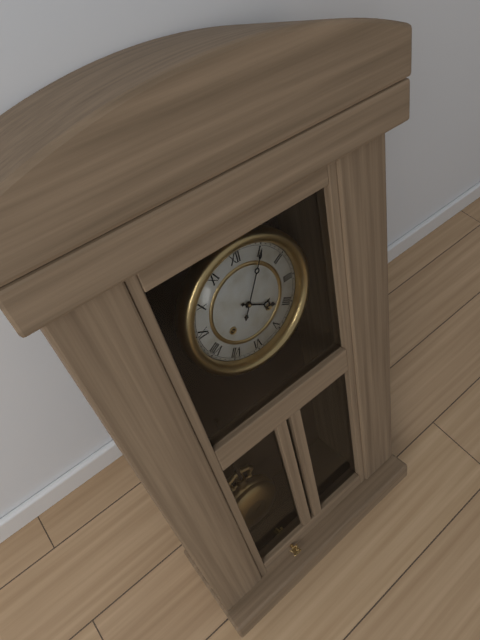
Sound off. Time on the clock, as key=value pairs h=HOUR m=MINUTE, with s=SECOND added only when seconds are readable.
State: h=4 m=5
